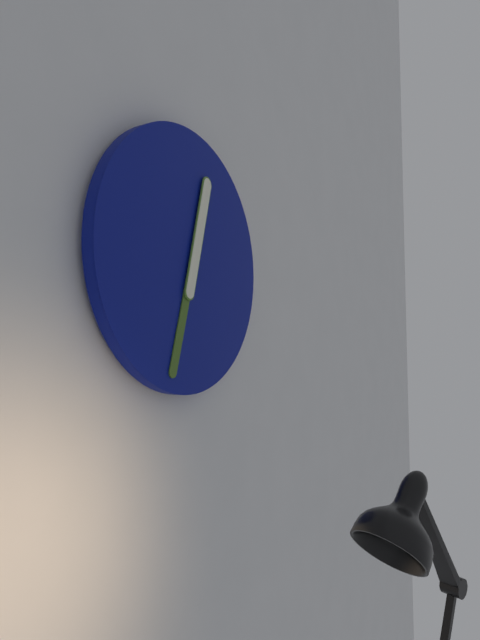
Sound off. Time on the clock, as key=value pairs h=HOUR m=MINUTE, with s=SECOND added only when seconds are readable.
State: h=12 m=33
